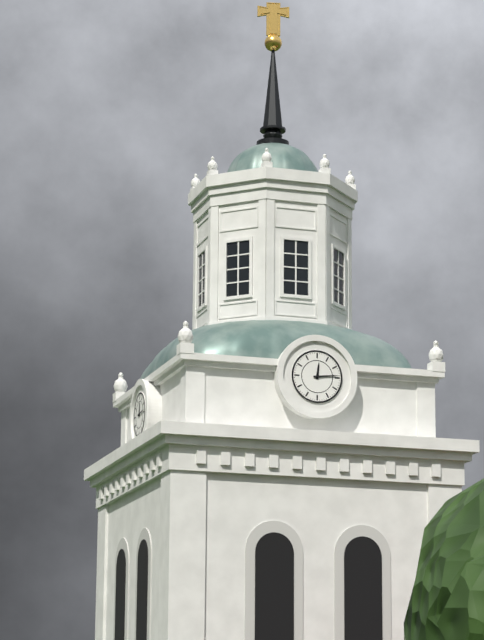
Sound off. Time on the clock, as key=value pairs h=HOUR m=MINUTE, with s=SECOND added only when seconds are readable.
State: h=12 m=14
